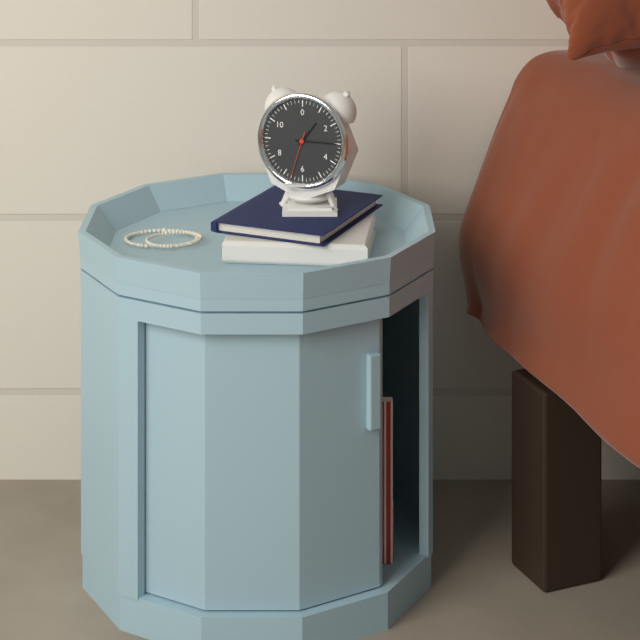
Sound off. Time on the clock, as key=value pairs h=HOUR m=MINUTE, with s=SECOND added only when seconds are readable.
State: h=1 m=15
